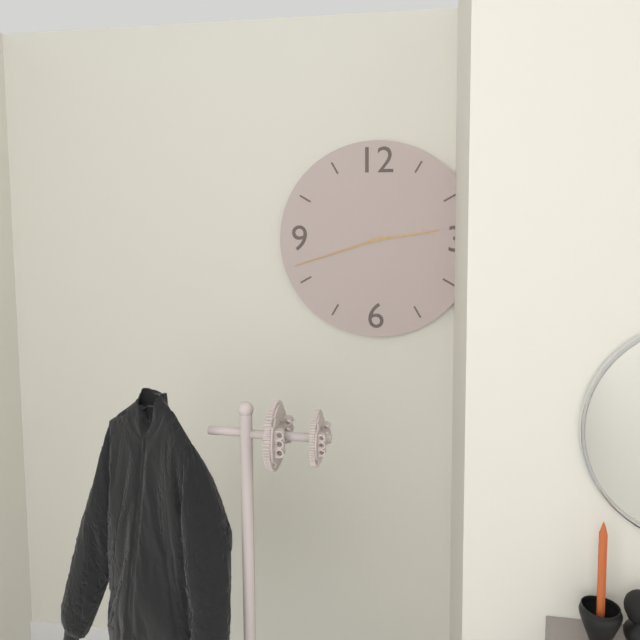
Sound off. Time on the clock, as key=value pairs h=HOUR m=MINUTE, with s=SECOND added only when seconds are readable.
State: h=2 m=42
